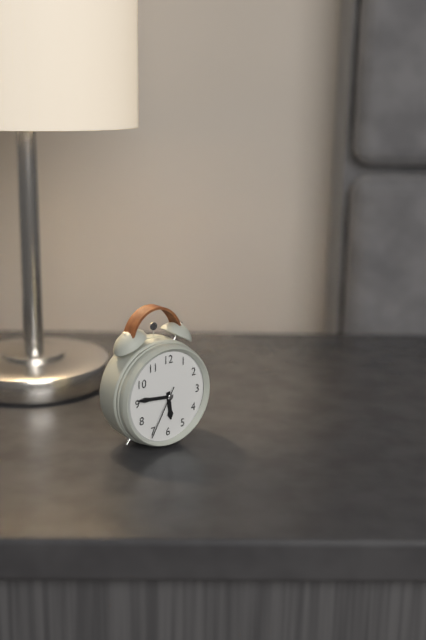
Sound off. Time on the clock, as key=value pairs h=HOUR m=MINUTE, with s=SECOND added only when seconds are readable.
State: h=5 m=46 s=35
